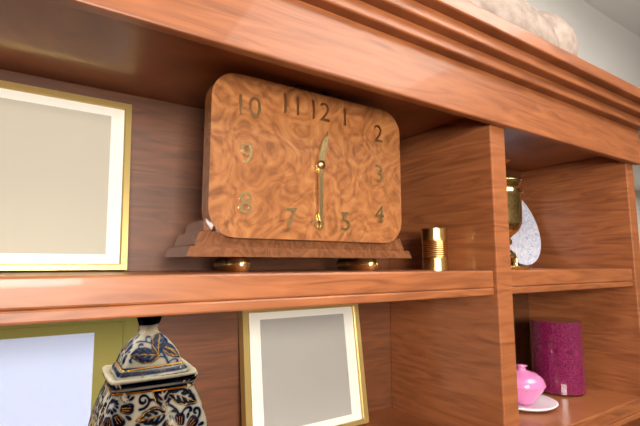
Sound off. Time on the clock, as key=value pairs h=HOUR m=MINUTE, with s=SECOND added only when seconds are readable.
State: h=12 m=30
